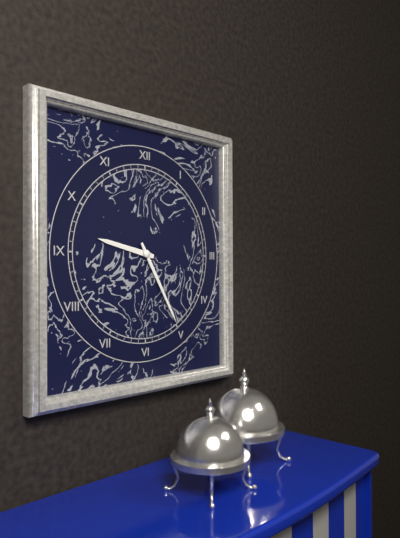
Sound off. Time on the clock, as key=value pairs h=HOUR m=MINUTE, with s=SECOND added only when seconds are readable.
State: h=9 m=25
